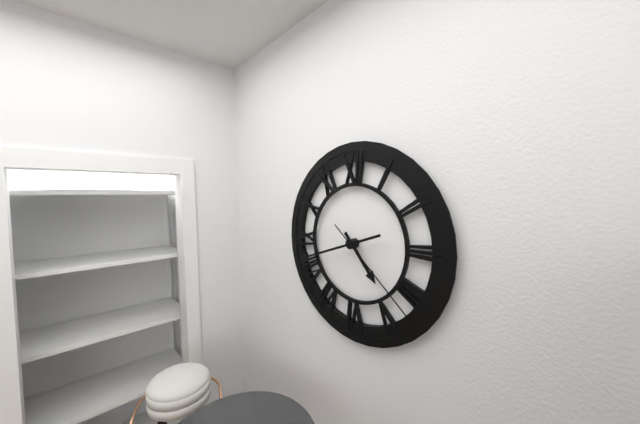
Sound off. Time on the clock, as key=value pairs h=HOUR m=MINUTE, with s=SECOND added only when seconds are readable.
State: h=4 m=42 s=22
